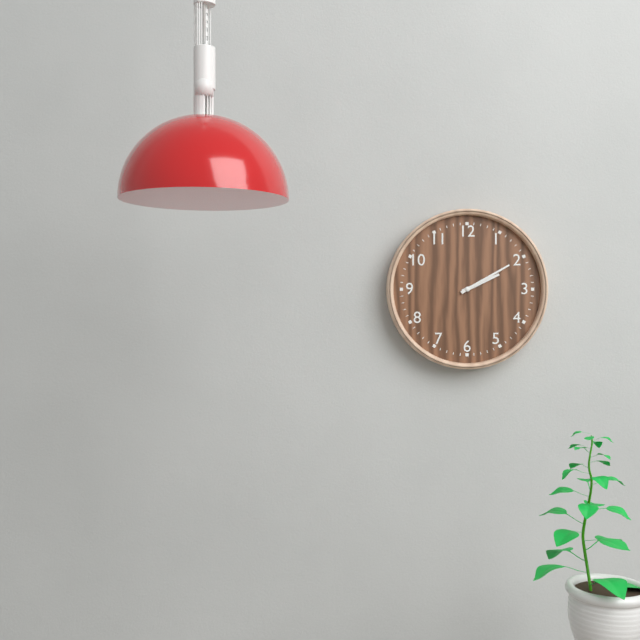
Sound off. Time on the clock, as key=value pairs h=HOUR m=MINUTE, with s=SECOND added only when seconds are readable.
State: h=2 m=10
